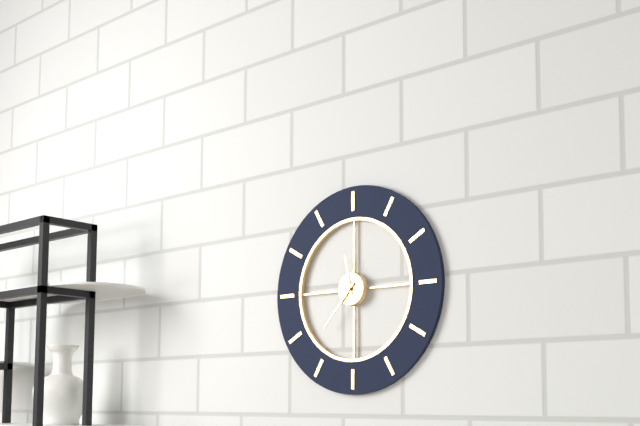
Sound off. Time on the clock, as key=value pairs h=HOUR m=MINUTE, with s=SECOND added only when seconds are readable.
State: h=11 m=37
